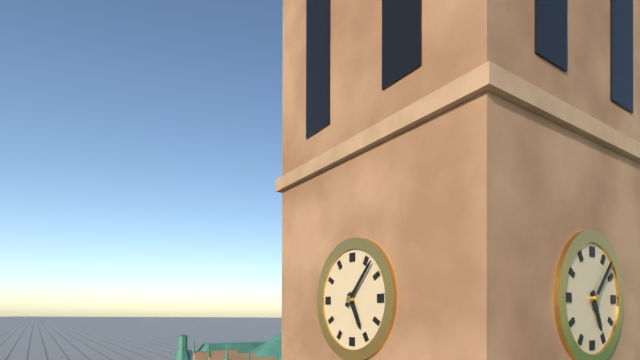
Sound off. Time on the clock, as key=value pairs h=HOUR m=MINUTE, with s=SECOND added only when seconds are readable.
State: h=5 m=7
